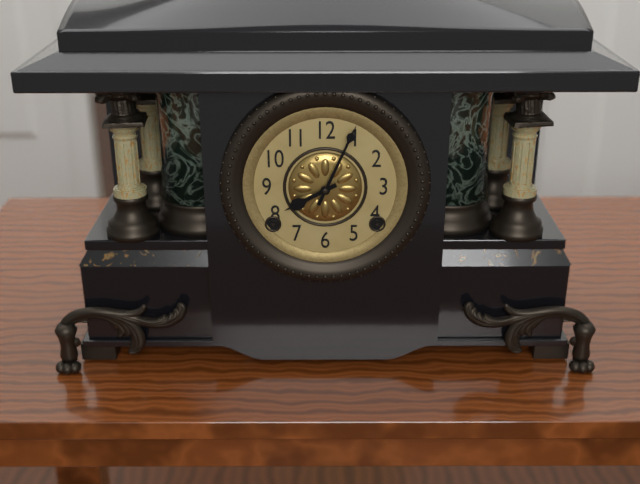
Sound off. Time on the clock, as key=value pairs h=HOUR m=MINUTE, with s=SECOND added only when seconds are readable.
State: h=8 m=4
